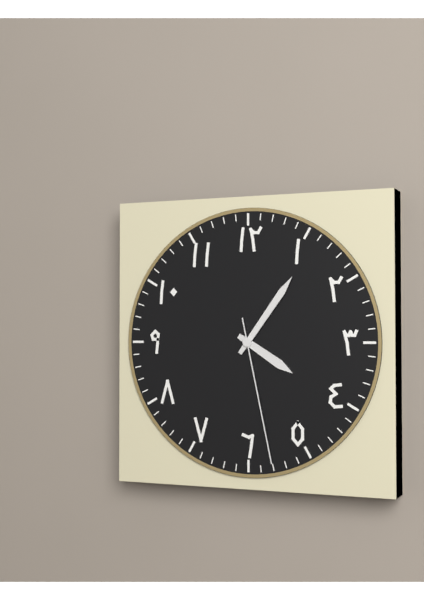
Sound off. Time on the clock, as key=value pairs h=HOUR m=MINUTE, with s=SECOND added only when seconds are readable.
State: h=4 m=6 s=28
